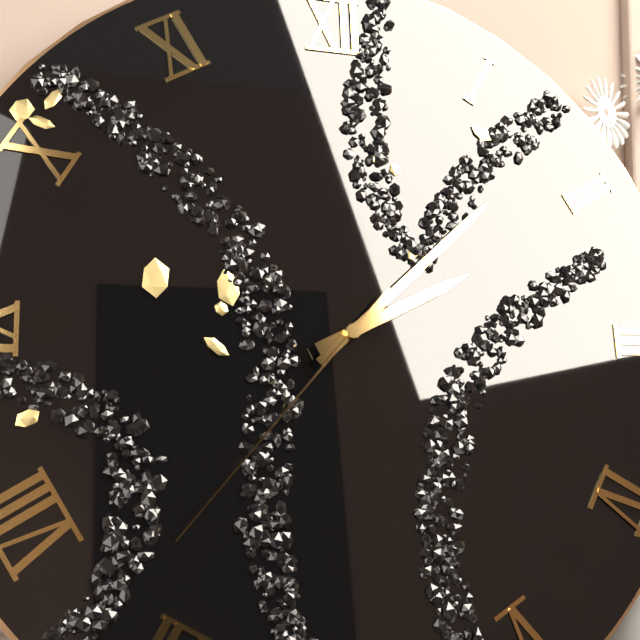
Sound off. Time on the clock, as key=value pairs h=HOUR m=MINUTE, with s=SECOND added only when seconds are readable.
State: h=2 m=8 s=37
